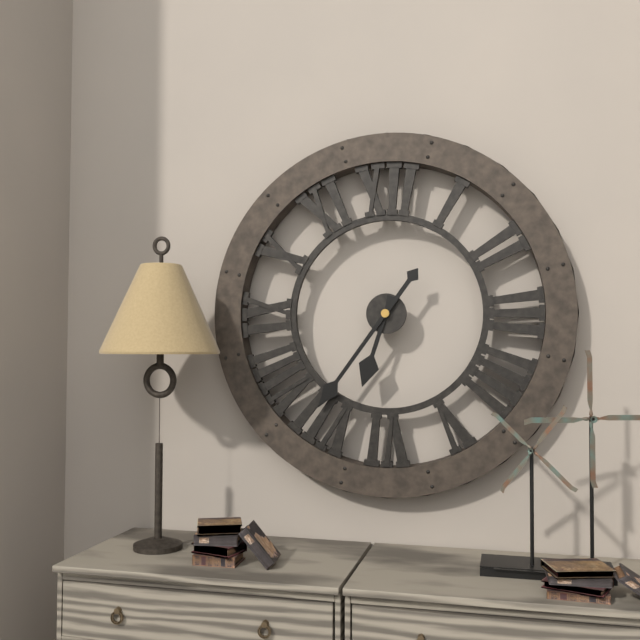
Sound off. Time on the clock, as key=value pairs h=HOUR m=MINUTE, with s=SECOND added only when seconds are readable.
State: h=6 m=36
